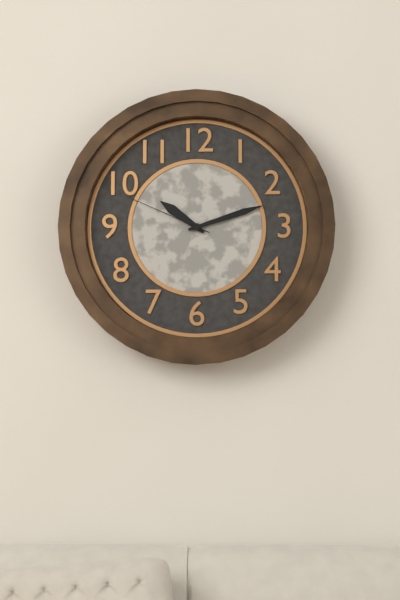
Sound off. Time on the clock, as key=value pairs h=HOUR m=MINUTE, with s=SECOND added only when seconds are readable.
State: h=10 m=12 s=49
